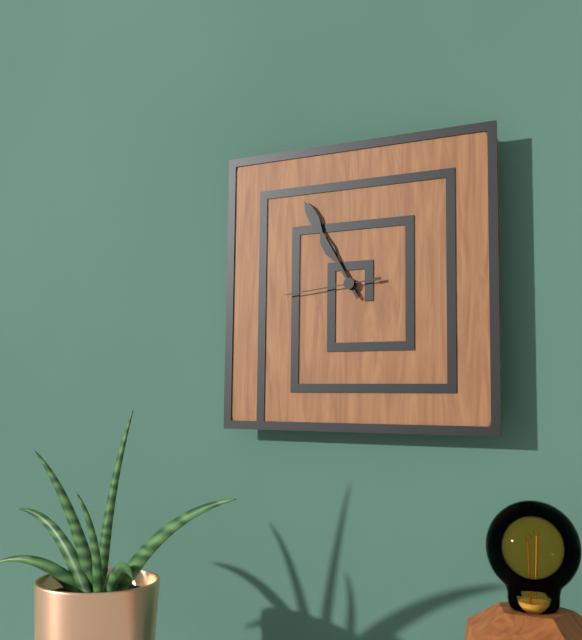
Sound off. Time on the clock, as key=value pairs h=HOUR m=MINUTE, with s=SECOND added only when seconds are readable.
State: h=10 m=55 s=44
